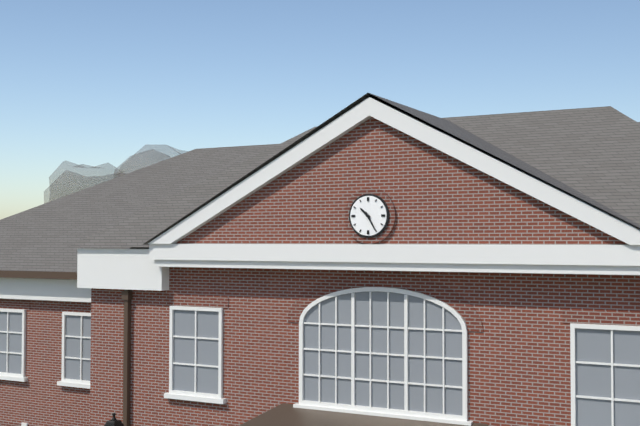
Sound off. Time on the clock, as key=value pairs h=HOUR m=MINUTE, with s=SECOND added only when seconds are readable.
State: h=10 m=25
